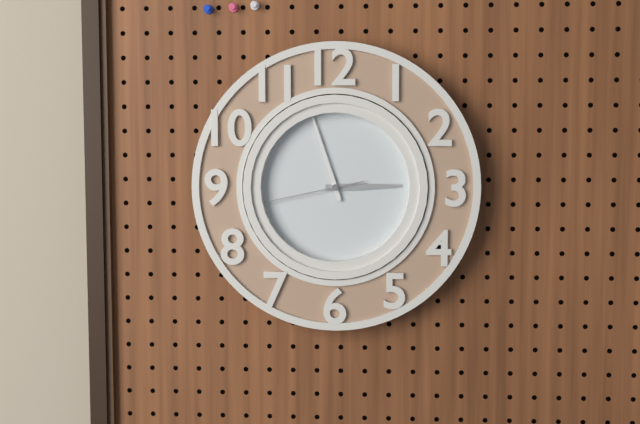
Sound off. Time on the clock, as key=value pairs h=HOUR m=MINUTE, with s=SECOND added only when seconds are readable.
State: h=2 m=57 s=43
